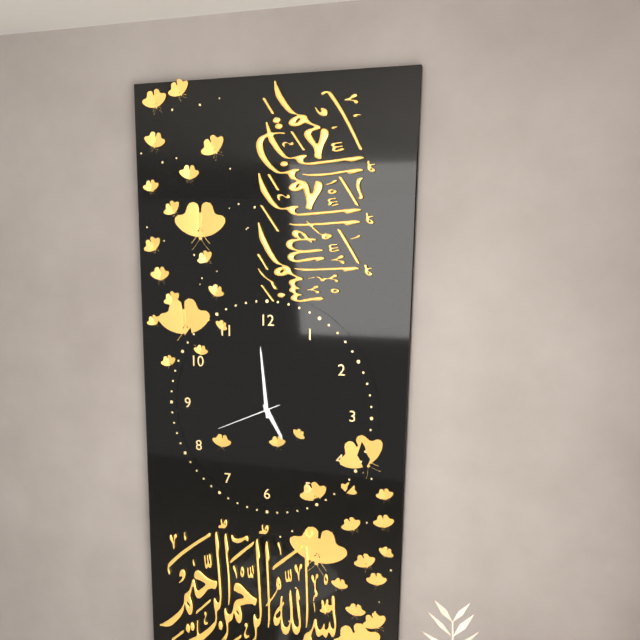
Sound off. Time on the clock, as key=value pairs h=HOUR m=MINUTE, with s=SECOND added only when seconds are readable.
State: h=4 m=59 s=41
